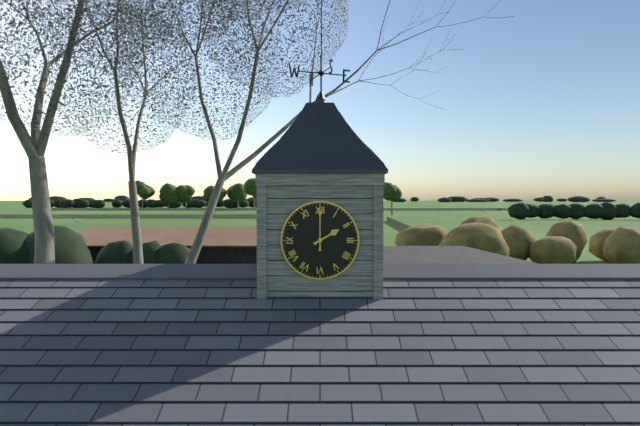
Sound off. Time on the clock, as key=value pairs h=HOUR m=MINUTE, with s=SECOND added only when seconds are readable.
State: h=2 m=0
